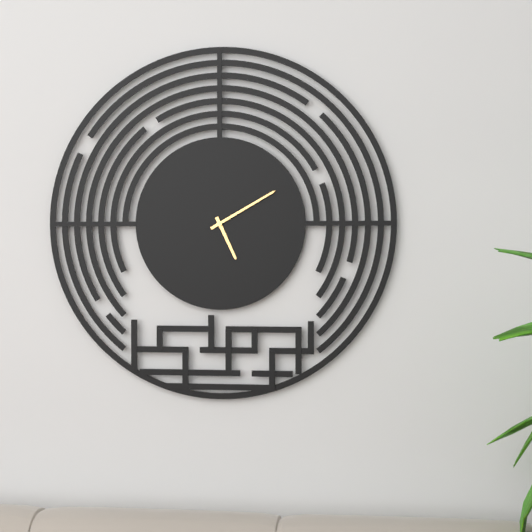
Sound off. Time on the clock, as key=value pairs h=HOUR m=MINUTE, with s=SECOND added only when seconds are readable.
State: h=5 m=10
